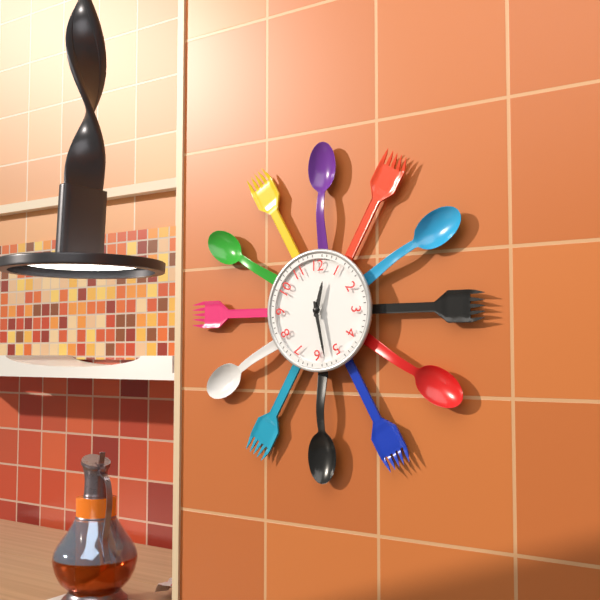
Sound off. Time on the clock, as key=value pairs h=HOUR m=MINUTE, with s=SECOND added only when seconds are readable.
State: h=12 m=28
